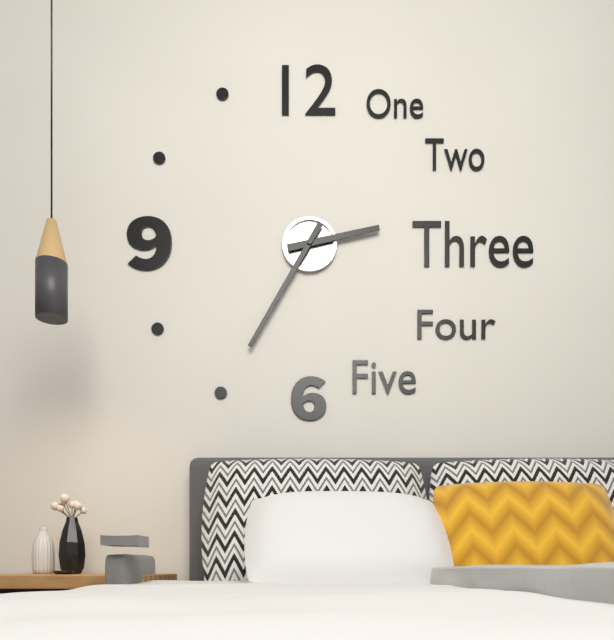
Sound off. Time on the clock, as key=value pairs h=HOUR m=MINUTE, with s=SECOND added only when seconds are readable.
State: h=2 m=35
